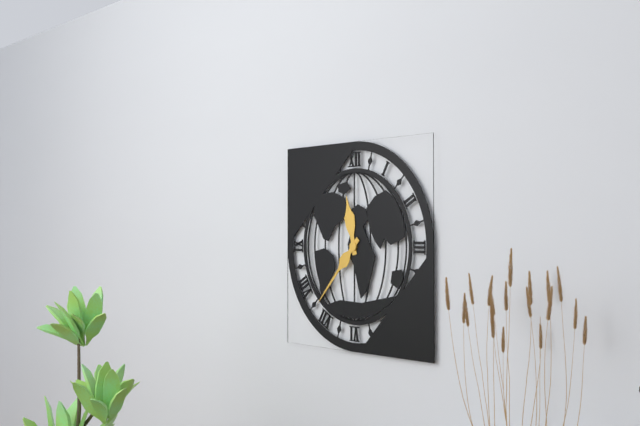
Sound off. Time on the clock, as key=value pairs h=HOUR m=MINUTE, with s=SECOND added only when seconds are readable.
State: h=11 m=37
